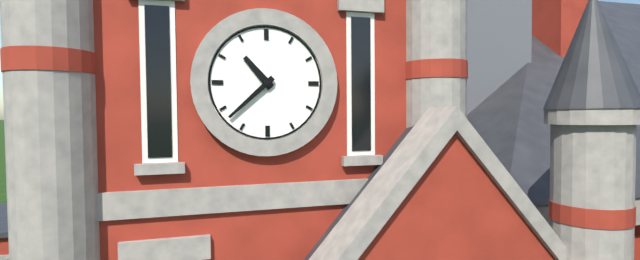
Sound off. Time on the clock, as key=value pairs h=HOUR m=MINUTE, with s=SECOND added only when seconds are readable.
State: h=10 m=38
